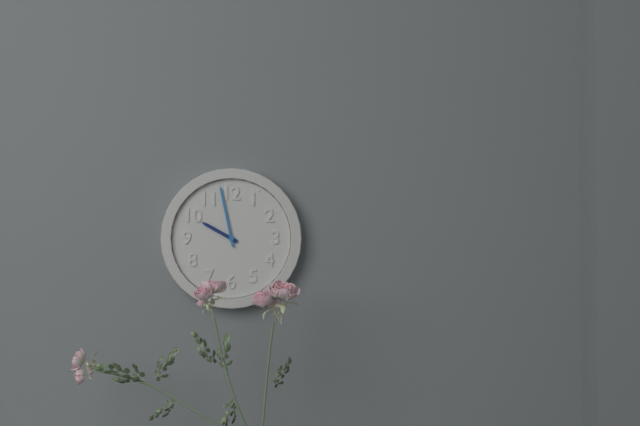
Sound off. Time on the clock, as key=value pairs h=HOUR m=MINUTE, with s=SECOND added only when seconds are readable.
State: h=9 m=58
